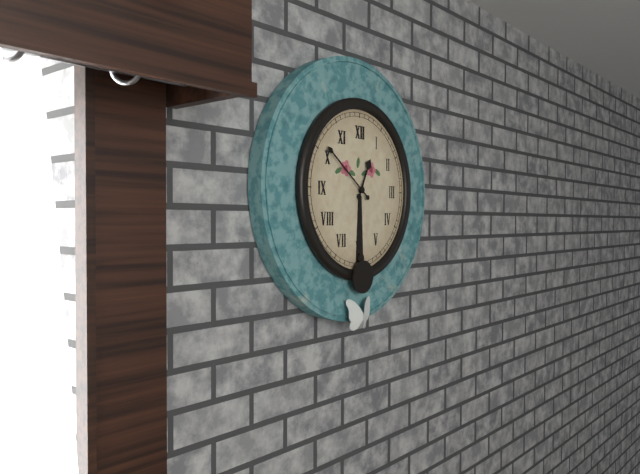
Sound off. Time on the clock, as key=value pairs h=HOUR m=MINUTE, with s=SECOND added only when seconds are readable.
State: h=12 m=51
